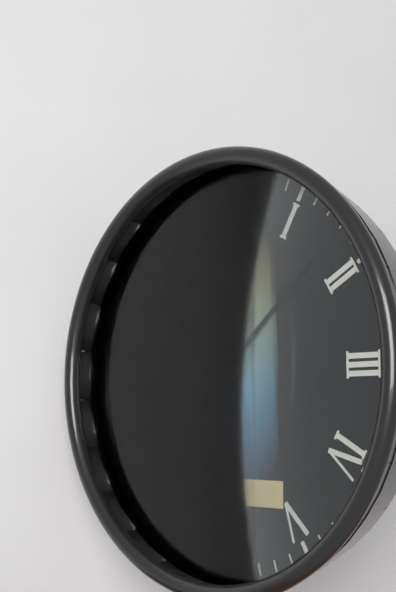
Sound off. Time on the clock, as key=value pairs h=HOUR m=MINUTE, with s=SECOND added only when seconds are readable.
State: h=11 m=8
